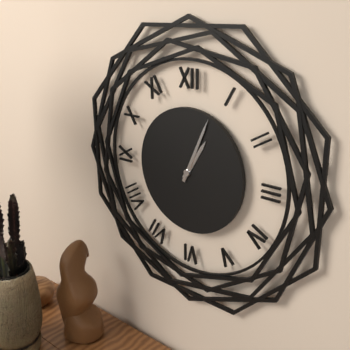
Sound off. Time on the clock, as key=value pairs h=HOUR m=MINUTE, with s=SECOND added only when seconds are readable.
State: h=1 m=4
